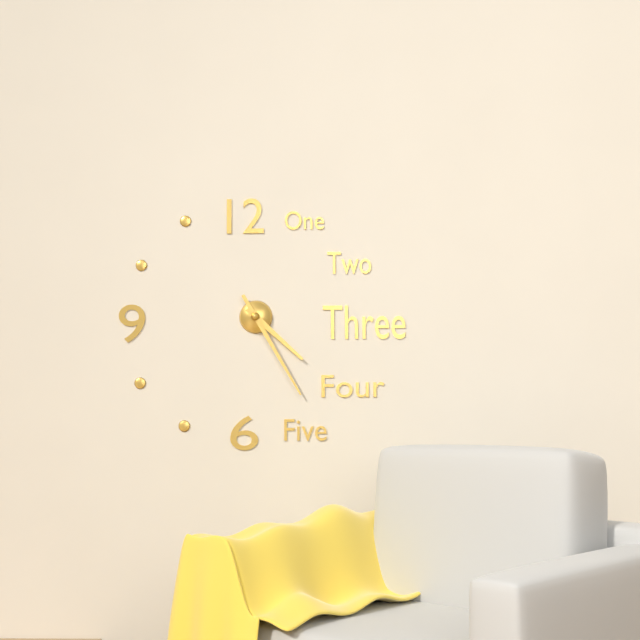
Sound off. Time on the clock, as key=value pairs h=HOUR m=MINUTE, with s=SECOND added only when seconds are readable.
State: h=4 m=25
